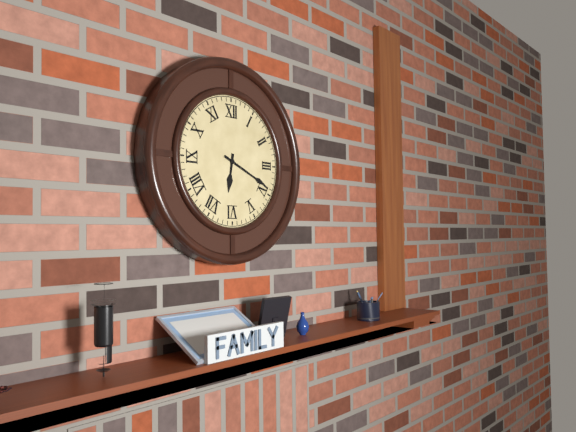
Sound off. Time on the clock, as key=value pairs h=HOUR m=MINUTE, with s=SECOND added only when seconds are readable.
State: h=6 m=19
